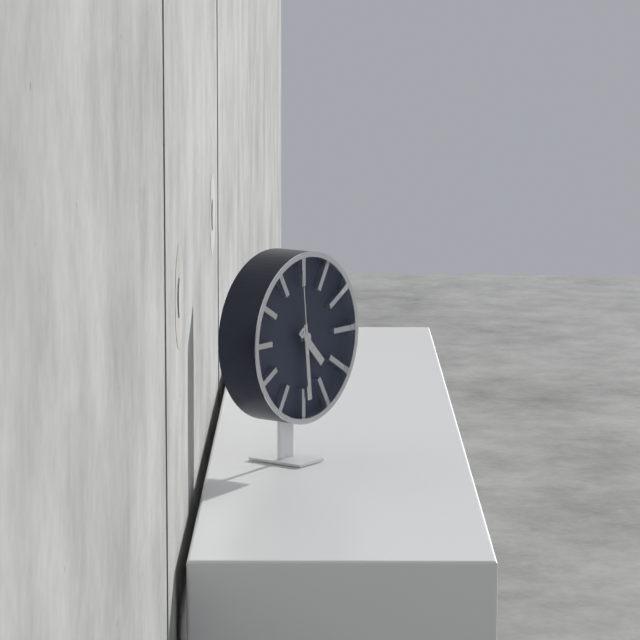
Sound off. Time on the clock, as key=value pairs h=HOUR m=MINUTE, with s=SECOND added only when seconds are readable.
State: h=4 m=29 s=59
